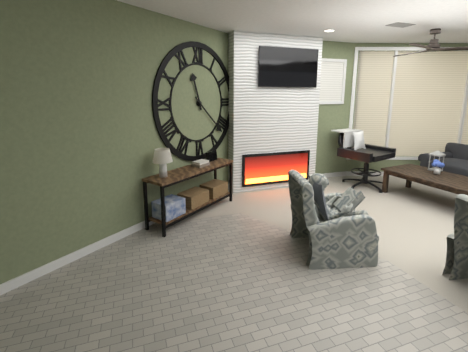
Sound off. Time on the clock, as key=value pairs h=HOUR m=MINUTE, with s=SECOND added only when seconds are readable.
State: h=11 m=22
